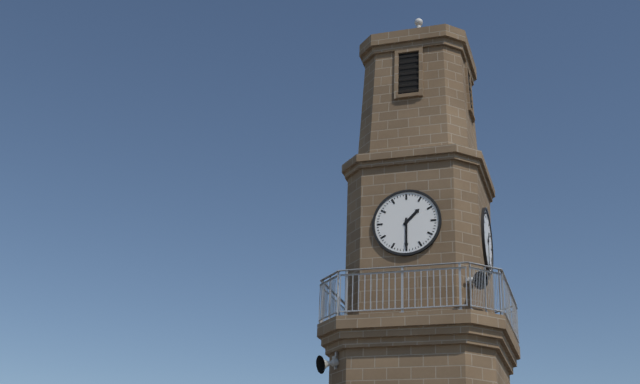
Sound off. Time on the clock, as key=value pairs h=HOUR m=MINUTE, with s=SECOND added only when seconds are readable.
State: h=1 m=30
